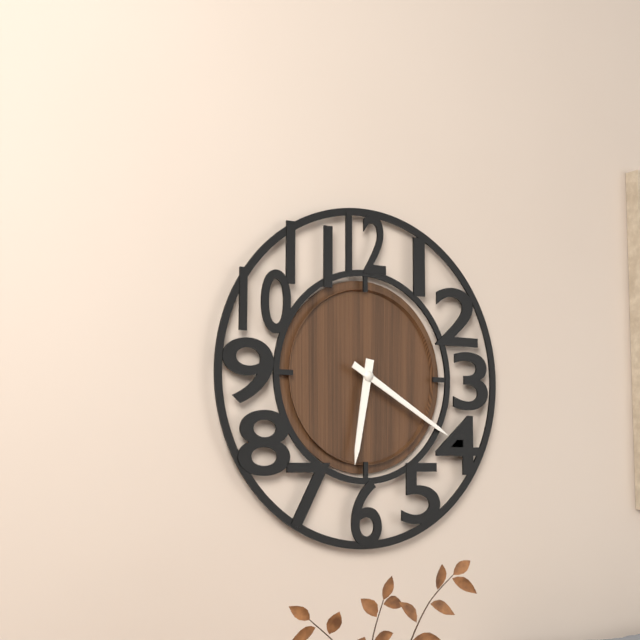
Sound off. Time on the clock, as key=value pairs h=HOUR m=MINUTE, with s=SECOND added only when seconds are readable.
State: h=6 m=20
